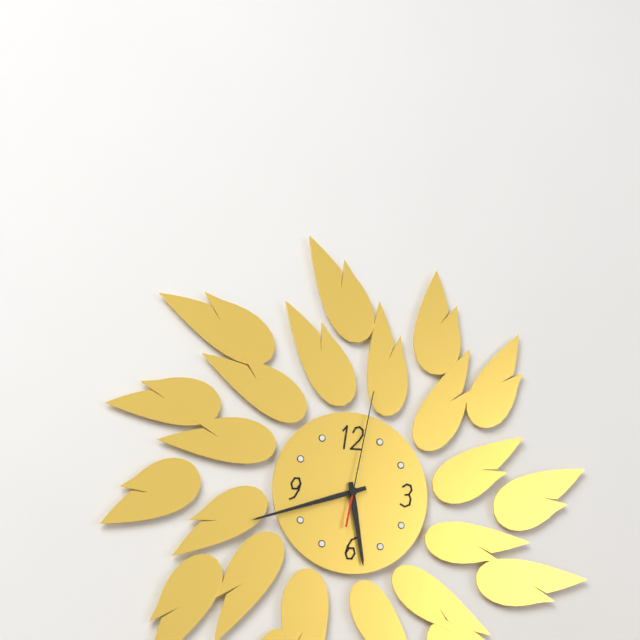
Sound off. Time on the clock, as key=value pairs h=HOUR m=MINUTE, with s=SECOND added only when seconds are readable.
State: h=5 m=42 s=2
